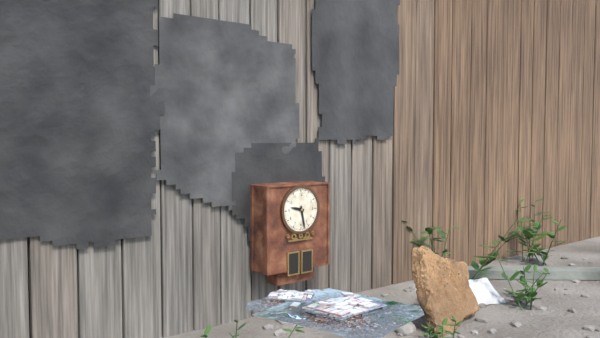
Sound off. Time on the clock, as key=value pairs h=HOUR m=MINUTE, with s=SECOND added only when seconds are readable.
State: h=9 m=28
